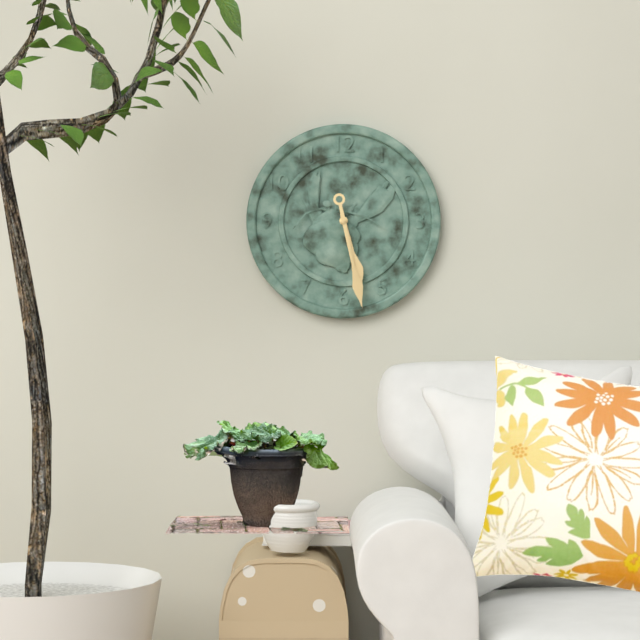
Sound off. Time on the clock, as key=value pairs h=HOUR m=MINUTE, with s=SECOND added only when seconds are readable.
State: h=5 m=28
